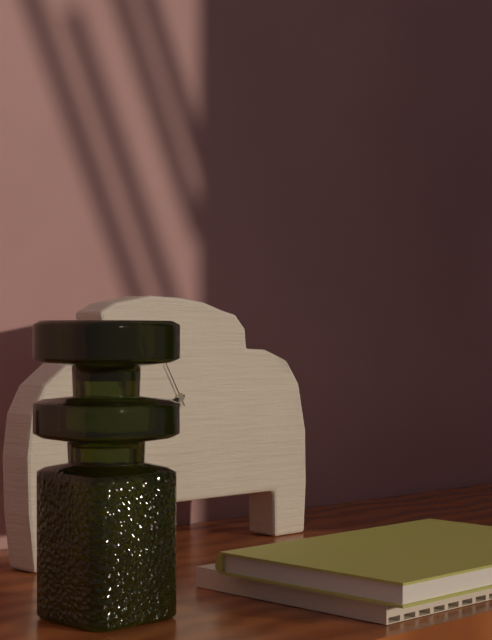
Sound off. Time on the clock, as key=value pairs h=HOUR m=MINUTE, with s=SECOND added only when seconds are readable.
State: h=7 m=42
